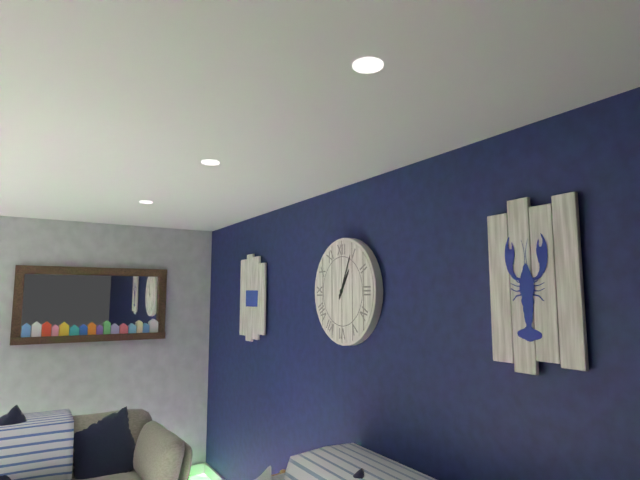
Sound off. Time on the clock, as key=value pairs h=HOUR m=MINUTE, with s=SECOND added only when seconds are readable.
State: h=1 m=4
